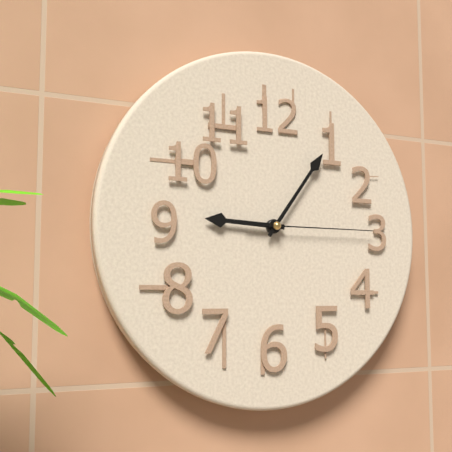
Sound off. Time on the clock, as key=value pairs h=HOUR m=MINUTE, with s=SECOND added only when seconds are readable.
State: h=9 m=6 s=15
